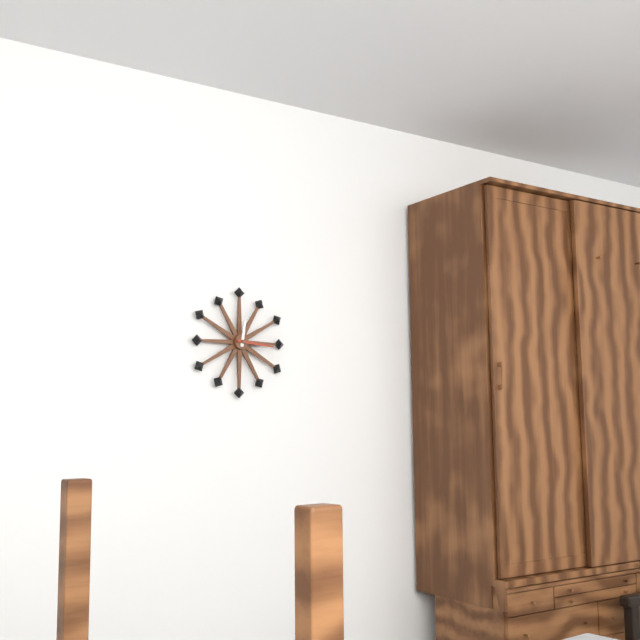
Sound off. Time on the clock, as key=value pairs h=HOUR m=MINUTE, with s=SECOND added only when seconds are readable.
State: h=12 m=16
